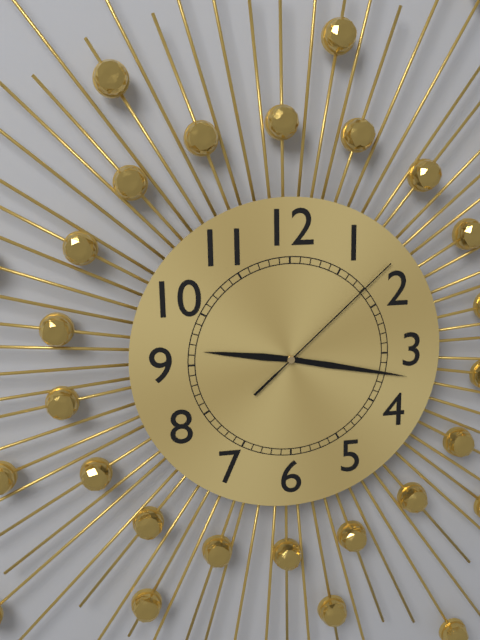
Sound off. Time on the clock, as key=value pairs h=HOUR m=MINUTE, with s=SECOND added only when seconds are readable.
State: h=9 m=17 s=8
